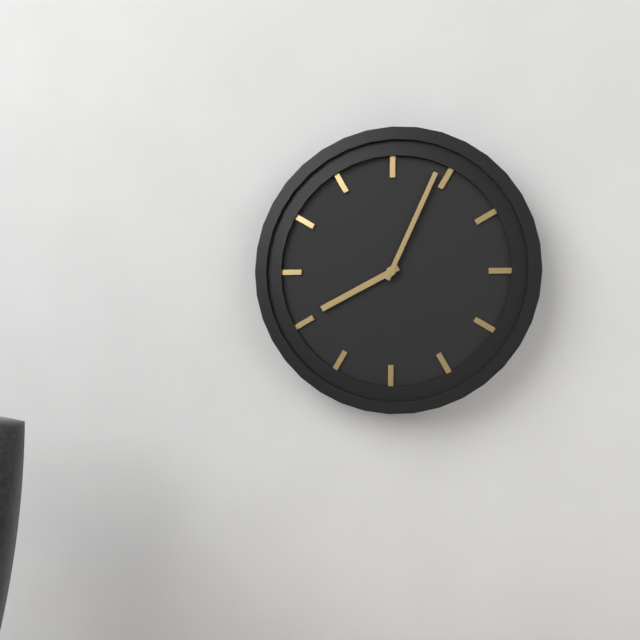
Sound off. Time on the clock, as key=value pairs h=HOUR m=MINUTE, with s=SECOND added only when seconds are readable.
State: h=8 m=4
